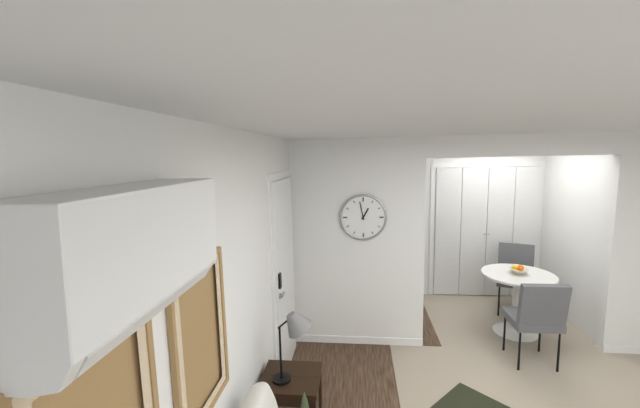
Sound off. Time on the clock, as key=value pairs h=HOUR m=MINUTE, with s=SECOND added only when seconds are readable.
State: h=12 m=58
